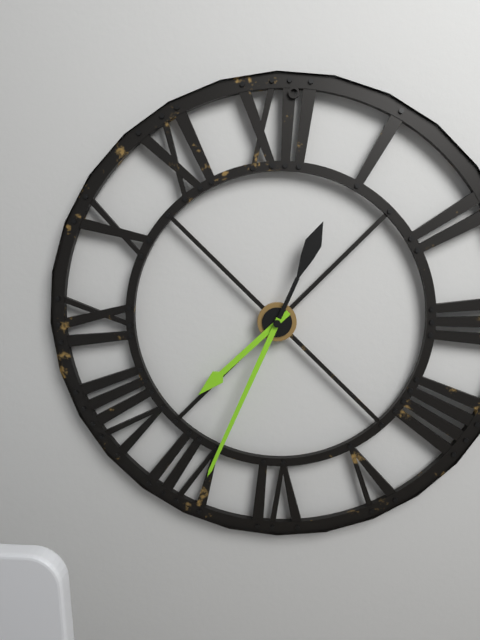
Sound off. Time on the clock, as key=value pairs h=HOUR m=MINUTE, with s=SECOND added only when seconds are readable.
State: h=7 m=34
